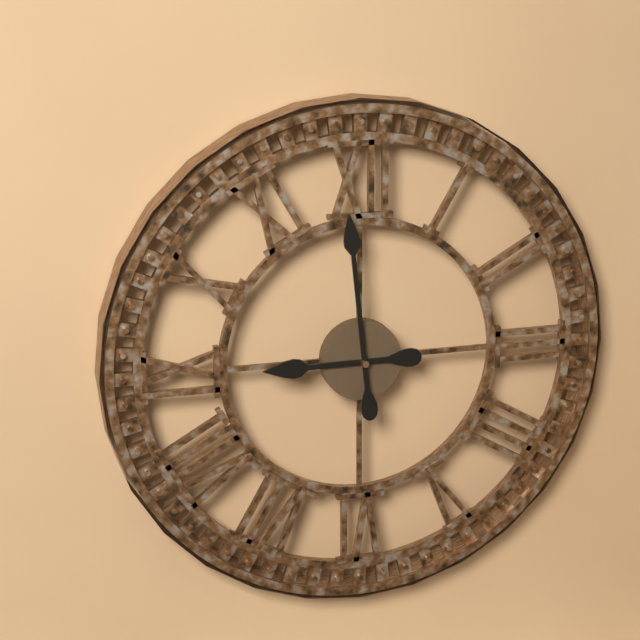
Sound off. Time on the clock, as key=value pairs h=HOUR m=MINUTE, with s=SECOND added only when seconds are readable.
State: h=8 m=59
